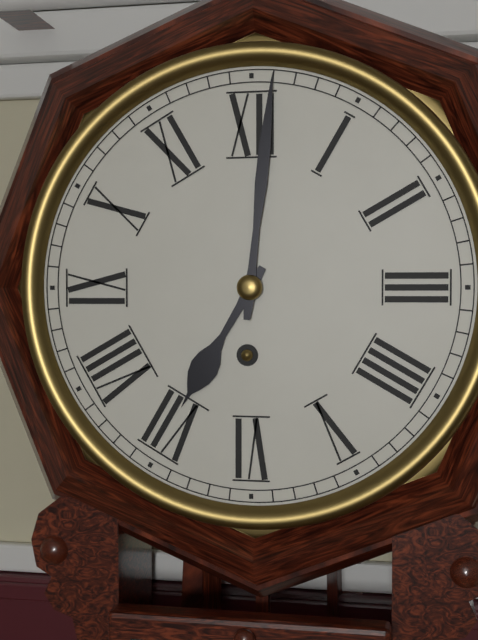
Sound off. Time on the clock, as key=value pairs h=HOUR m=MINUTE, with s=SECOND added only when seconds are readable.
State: h=7 m=1
